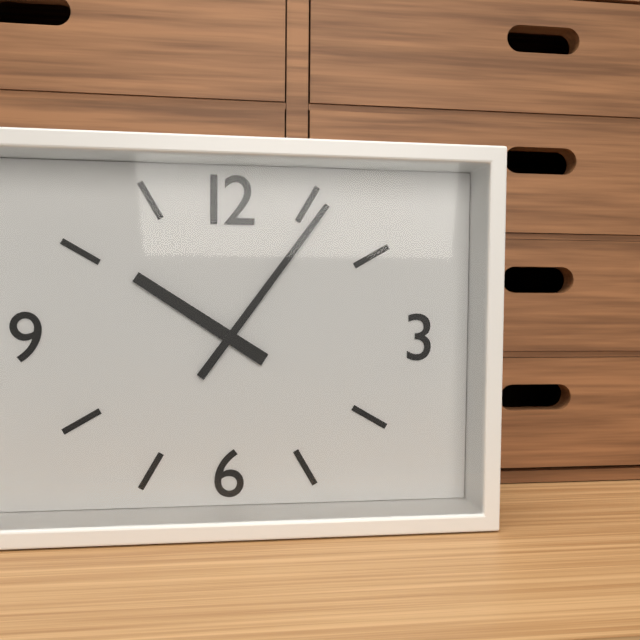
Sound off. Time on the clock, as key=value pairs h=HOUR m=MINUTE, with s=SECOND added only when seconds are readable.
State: h=10 m=6
